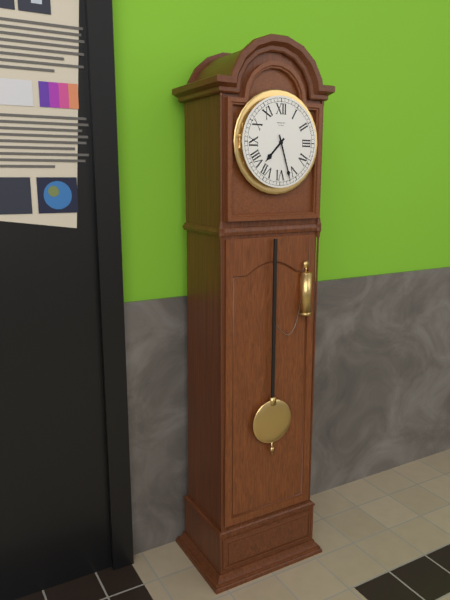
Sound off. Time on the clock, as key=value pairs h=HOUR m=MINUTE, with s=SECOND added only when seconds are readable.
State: h=7 m=27
